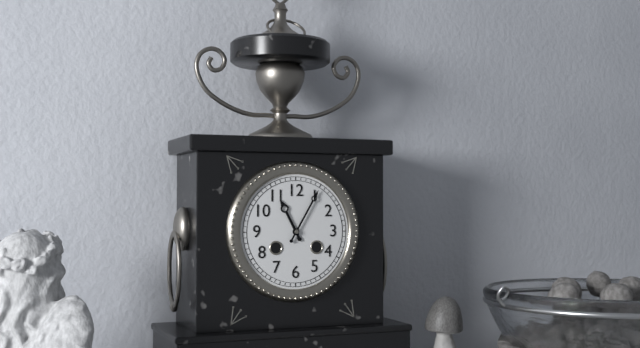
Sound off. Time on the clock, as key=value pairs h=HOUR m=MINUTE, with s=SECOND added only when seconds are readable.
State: h=11 m=5
